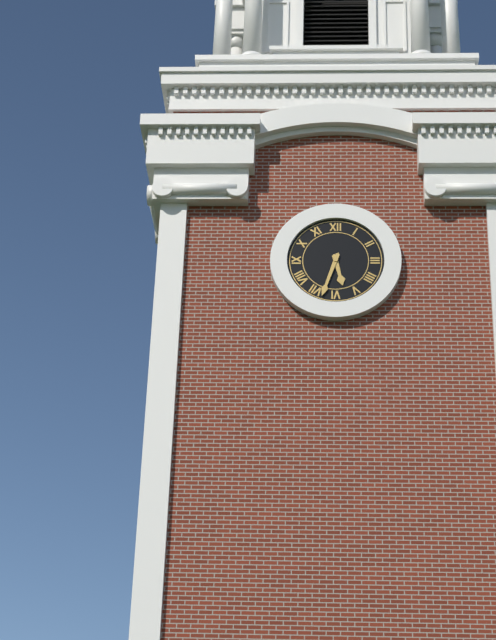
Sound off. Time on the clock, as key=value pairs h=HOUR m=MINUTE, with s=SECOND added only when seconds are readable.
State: h=5 m=33
